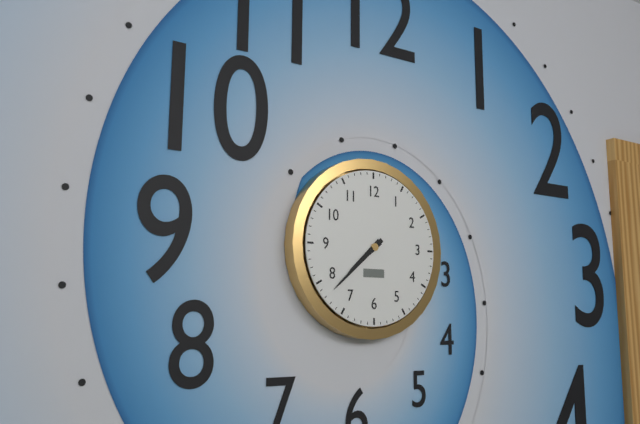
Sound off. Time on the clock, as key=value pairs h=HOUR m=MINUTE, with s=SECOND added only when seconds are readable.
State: h=7 m=38
